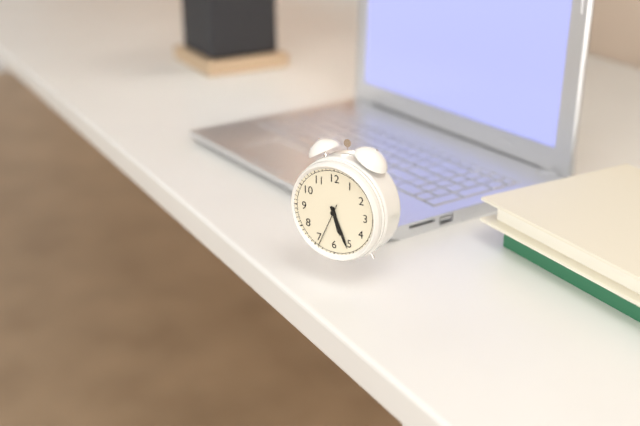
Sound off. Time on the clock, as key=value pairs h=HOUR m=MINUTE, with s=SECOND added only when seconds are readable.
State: h=5 m=26
